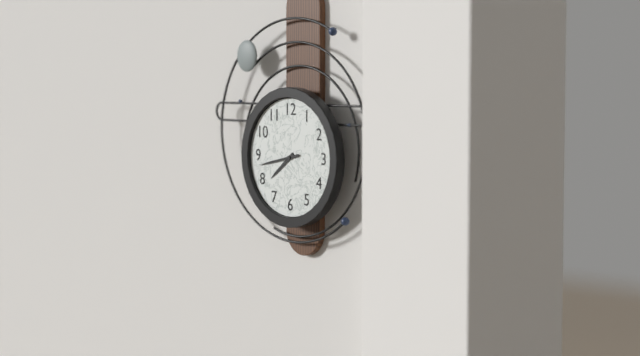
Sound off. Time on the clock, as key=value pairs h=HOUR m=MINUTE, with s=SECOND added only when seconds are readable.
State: h=7 m=43
